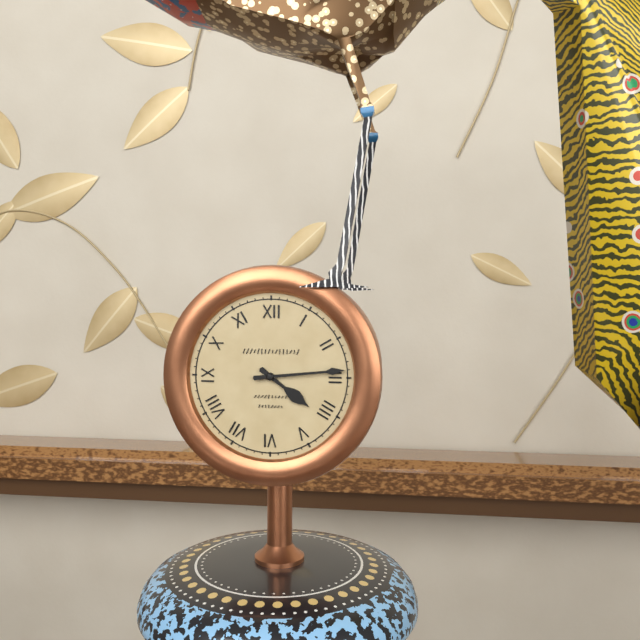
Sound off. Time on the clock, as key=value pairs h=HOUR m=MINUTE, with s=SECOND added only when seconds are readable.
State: h=4 m=14
